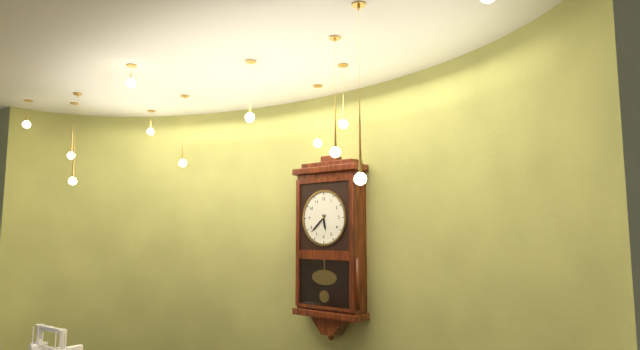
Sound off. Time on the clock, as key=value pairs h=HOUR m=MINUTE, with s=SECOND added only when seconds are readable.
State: h=5 m=38
